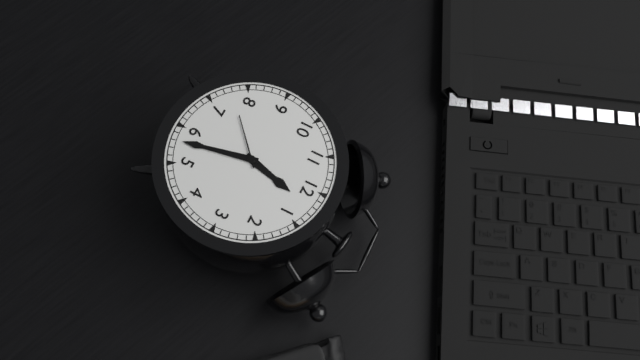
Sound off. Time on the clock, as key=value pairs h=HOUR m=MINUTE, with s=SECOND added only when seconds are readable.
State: h=12 m=28 s=38
